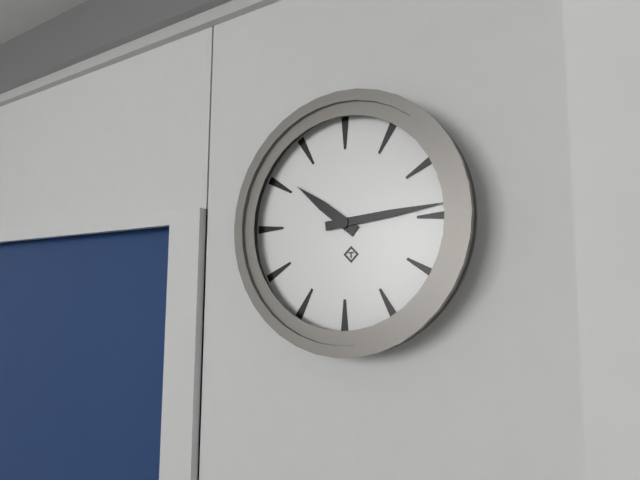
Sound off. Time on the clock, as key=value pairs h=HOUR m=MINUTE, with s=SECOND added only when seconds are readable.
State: h=10 m=14
